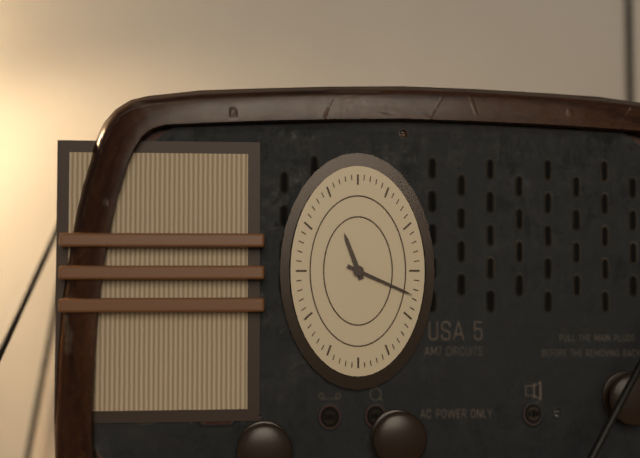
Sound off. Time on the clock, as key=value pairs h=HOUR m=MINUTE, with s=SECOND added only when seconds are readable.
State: h=11 m=19
